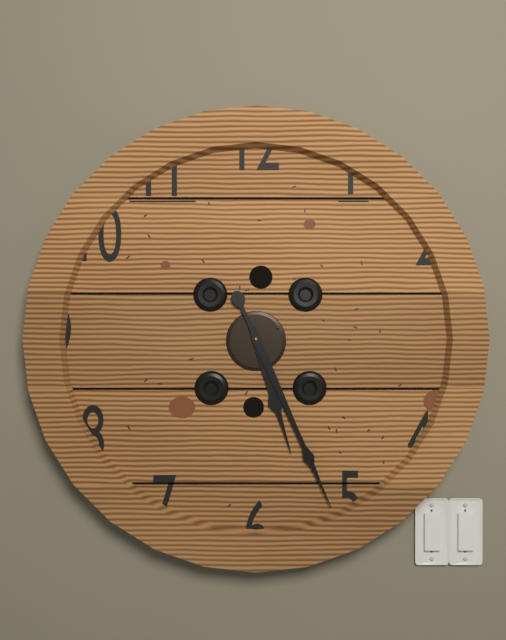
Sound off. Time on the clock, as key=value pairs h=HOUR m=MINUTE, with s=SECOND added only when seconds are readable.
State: h=5 m=26
